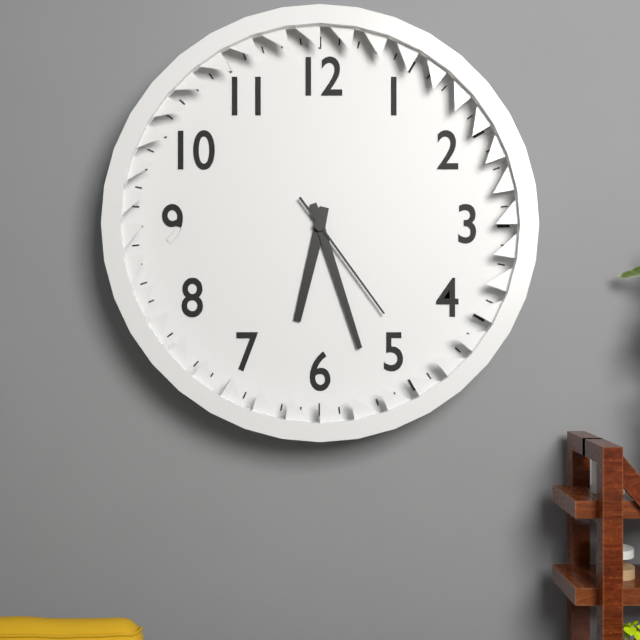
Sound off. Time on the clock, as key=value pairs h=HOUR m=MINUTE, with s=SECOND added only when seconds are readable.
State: h=6 m=27 s=24
